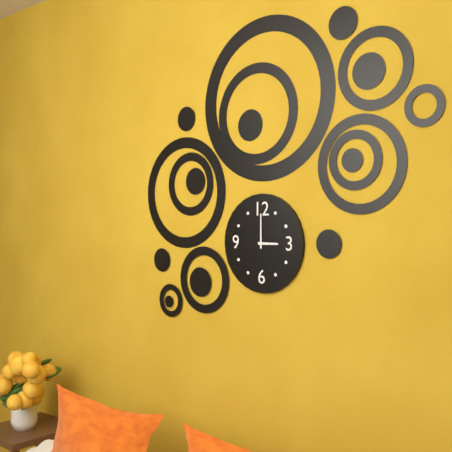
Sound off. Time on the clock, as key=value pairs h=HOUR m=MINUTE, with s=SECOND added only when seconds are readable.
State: h=3 m=0
